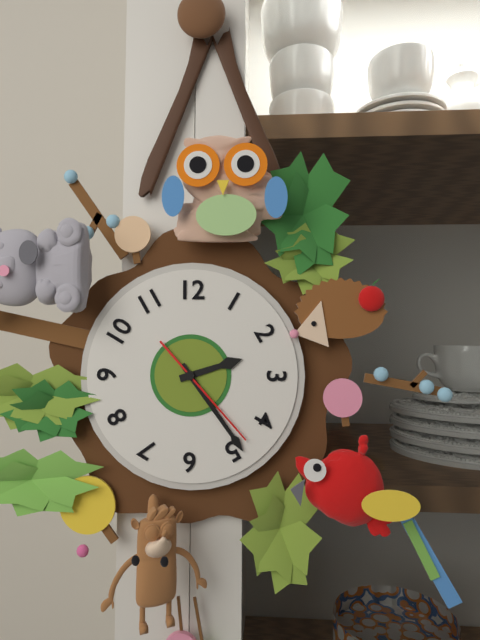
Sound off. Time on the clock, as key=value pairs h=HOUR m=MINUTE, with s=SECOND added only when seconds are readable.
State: h=2 m=24 s=23
